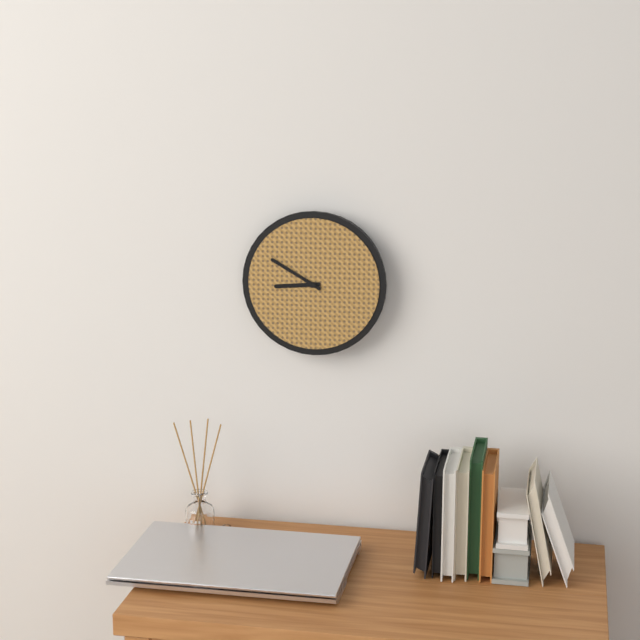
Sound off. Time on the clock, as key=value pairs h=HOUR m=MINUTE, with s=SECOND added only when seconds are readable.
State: h=8 m=50
